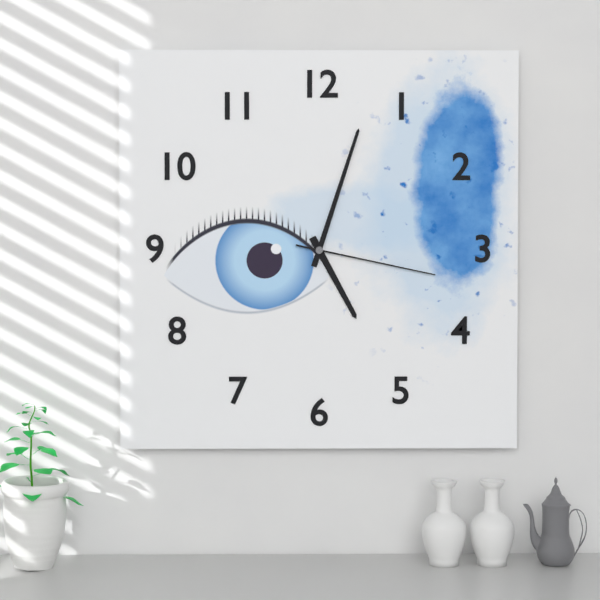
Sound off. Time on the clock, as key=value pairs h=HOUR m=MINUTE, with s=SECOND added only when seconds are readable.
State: h=5 m=3 s=17
